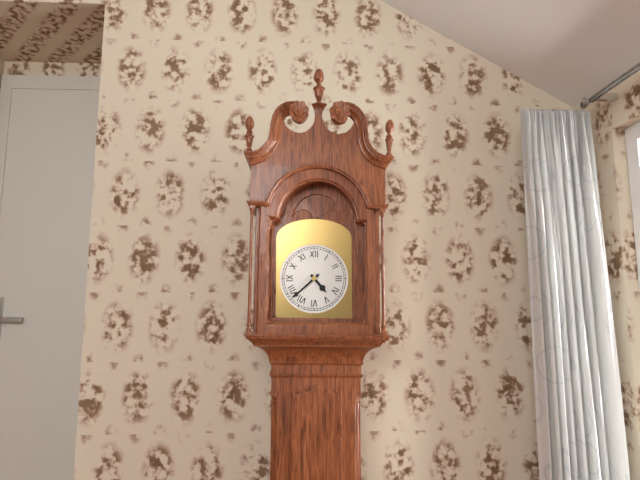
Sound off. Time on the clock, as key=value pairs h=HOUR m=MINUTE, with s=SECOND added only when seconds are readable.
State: h=4 m=38
